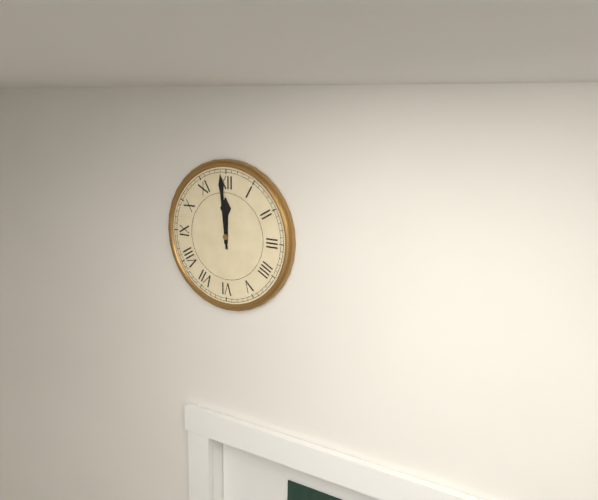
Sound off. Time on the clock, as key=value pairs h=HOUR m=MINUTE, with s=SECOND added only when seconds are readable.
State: h=11 m=59
